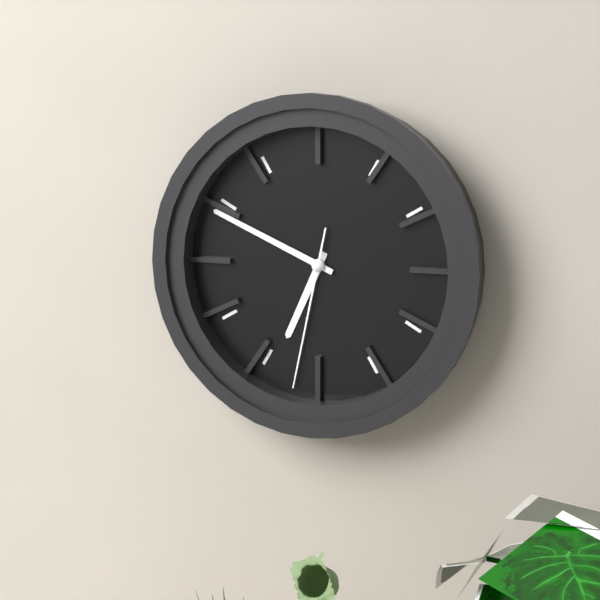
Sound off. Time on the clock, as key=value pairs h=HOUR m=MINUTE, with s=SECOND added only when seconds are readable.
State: h=6 m=49 s=32
